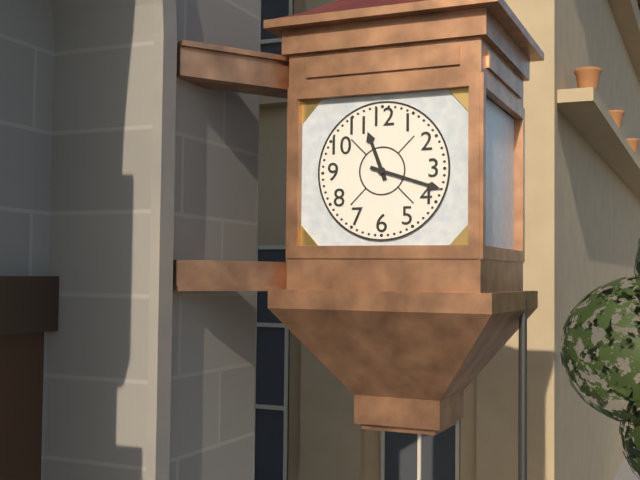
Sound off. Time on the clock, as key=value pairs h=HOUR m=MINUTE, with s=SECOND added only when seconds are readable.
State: h=11 m=18
